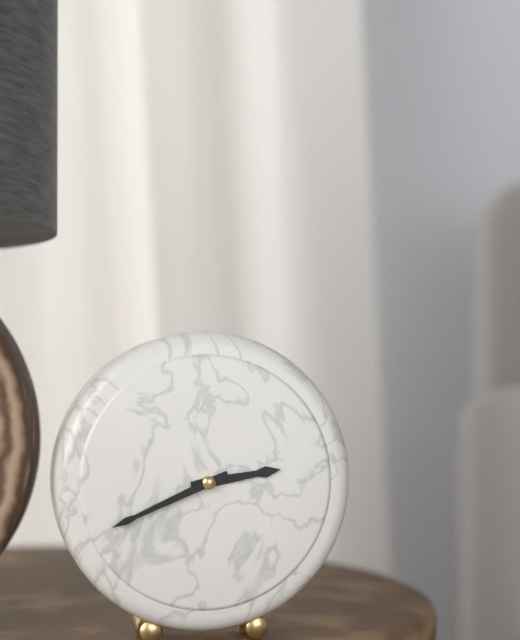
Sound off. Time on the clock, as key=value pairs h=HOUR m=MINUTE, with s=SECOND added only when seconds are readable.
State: h=2 m=41
